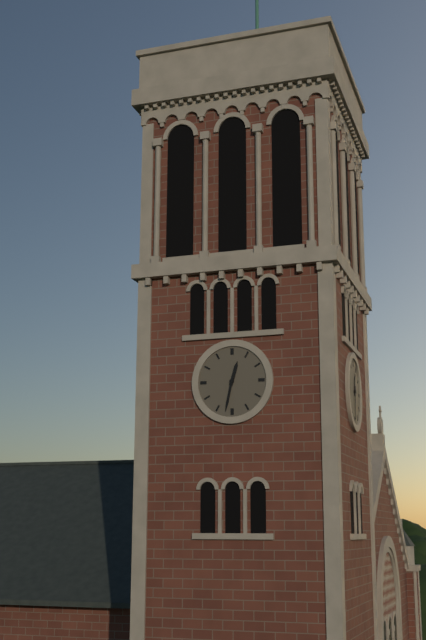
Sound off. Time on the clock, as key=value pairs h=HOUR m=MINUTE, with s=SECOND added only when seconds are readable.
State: h=12 m=32
